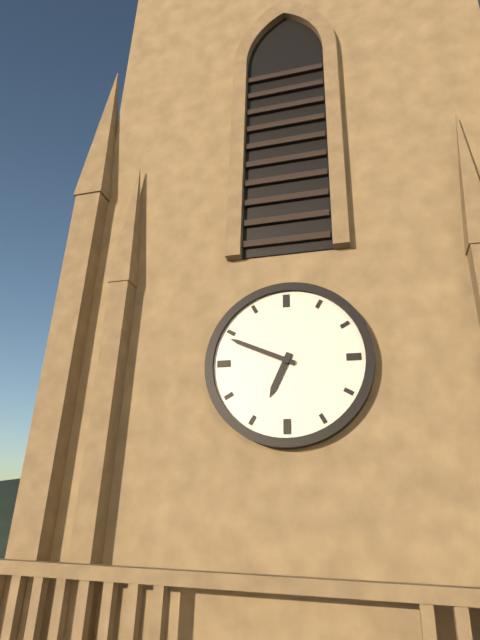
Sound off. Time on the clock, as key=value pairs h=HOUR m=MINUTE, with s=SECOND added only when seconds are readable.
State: h=6 m=49
